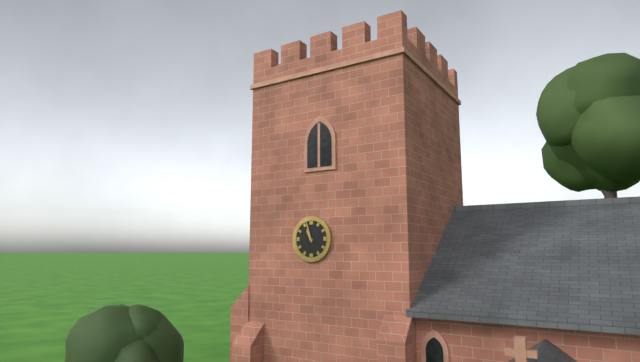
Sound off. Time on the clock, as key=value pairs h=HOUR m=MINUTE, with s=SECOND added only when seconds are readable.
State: h=10 m=57
